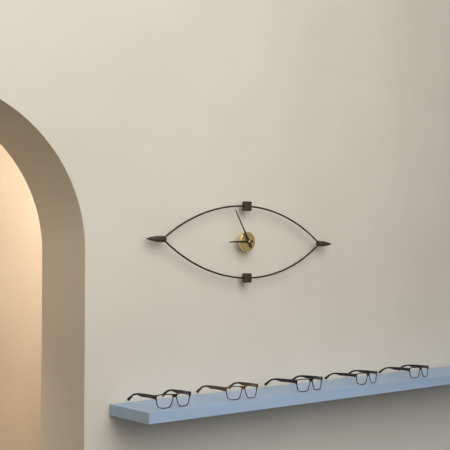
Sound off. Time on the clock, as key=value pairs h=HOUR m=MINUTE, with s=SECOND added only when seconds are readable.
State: h=8 m=55
